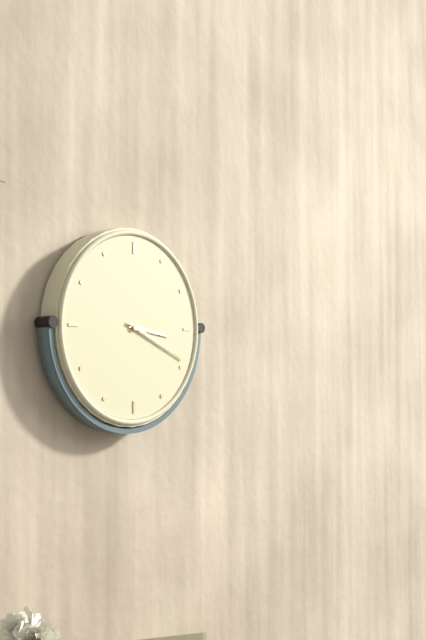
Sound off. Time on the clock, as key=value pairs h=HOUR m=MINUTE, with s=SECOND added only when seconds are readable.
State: h=3 m=19
